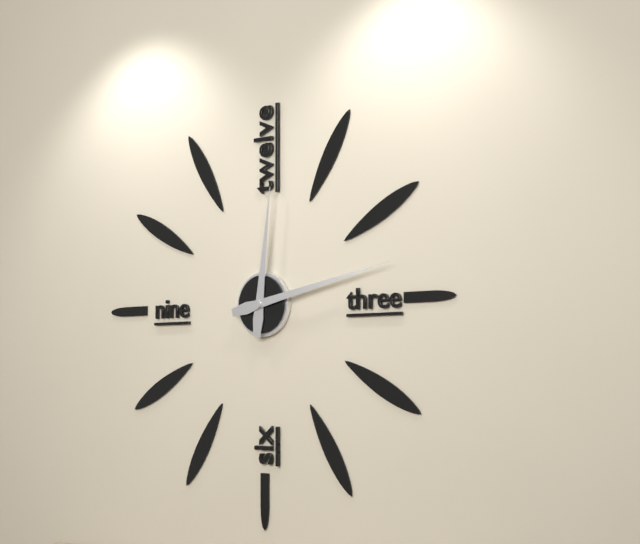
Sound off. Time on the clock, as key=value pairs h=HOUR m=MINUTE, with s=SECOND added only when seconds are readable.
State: h=12 m=13
